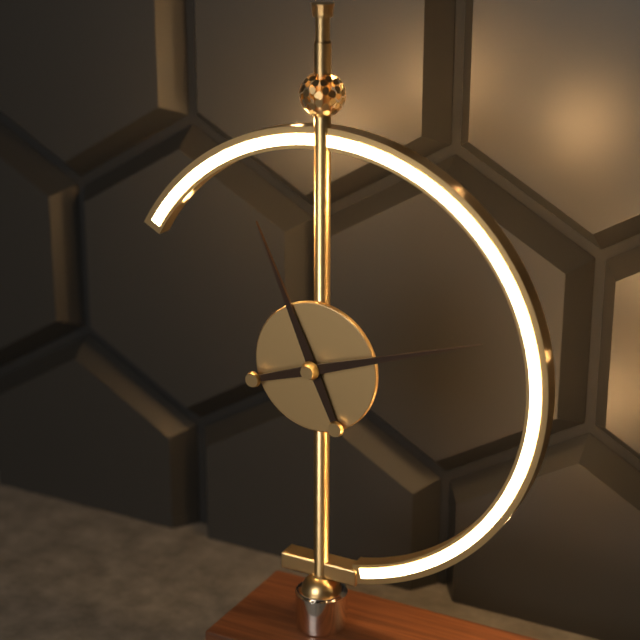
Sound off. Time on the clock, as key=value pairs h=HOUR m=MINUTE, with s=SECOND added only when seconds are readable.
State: h=11 m=12
